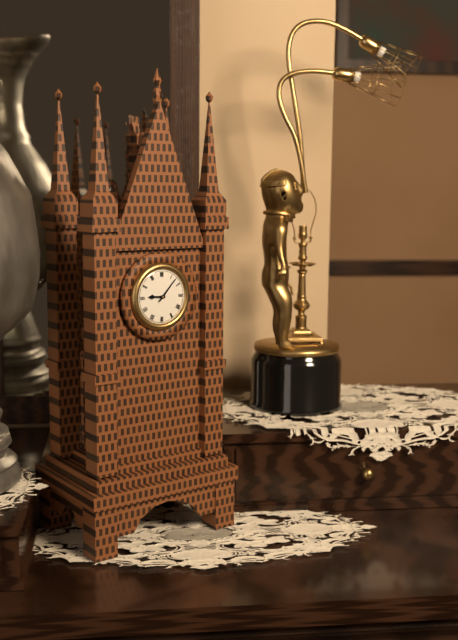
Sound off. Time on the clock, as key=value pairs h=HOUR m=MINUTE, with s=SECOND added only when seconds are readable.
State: h=9 m=7
